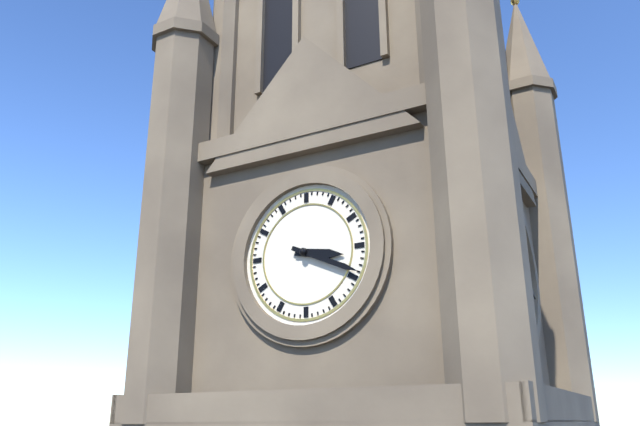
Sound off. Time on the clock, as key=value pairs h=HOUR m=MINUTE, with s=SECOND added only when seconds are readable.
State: h=3 m=19
